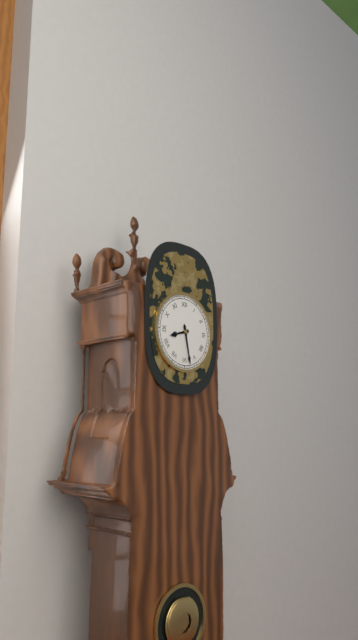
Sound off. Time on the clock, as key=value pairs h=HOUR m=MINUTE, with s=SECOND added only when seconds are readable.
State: h=8 m=28
